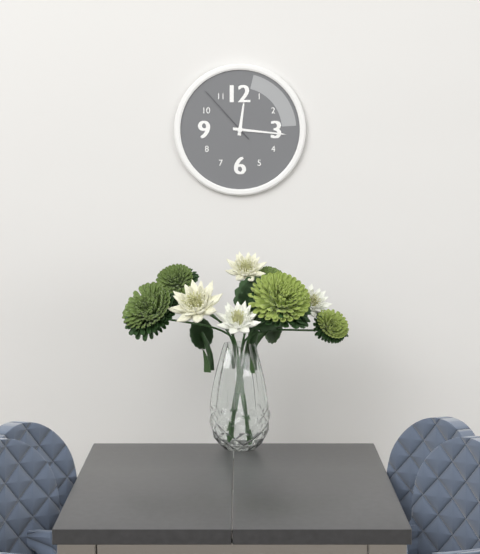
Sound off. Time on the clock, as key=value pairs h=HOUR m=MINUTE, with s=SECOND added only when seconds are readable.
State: h=12 m=16 s=53
